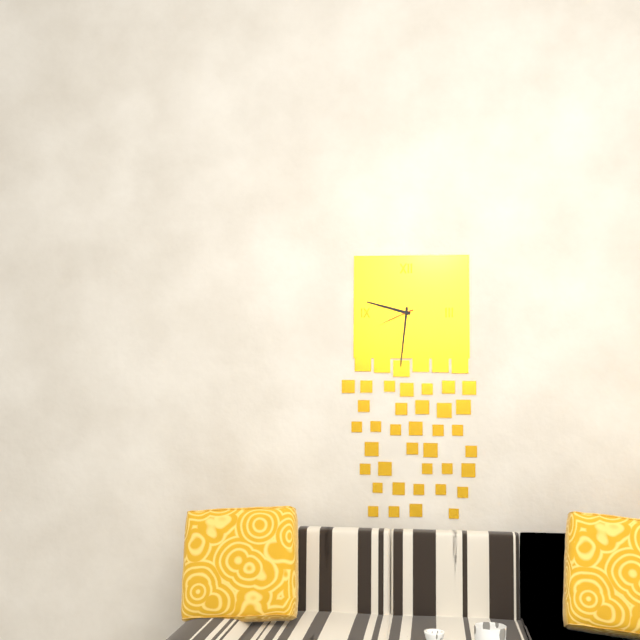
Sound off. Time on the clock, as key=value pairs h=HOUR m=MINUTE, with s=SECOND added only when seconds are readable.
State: h=9 m=31
